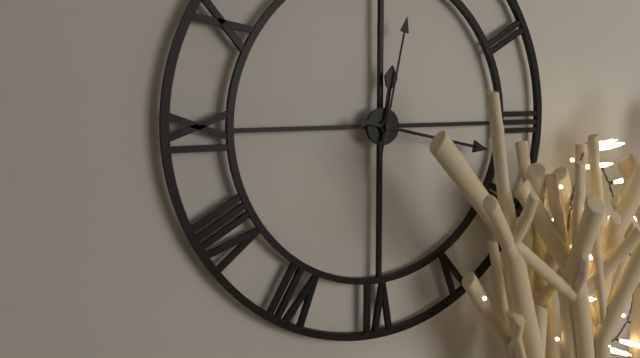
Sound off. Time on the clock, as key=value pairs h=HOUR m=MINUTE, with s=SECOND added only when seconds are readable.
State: h=12 m=17 s=2
